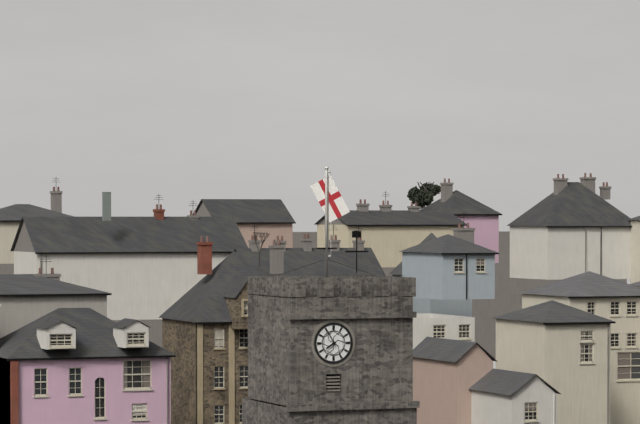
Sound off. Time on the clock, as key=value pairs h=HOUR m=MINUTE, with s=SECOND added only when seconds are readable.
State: h=7 m=55
